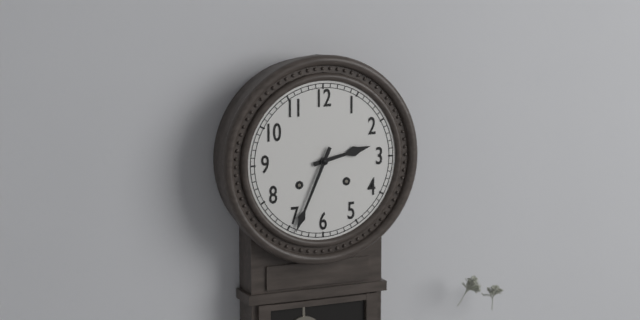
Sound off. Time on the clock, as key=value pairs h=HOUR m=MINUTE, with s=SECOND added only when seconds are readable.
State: h=2 m=34
